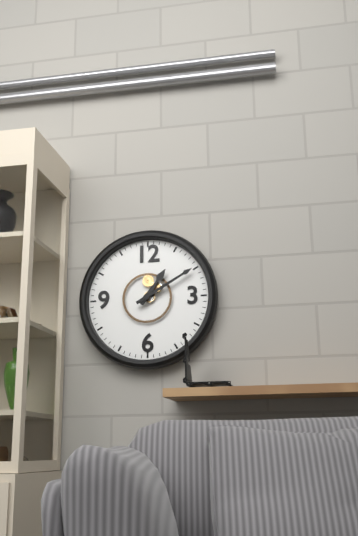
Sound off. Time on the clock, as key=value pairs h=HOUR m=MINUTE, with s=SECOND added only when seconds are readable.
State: h=1 m=10
